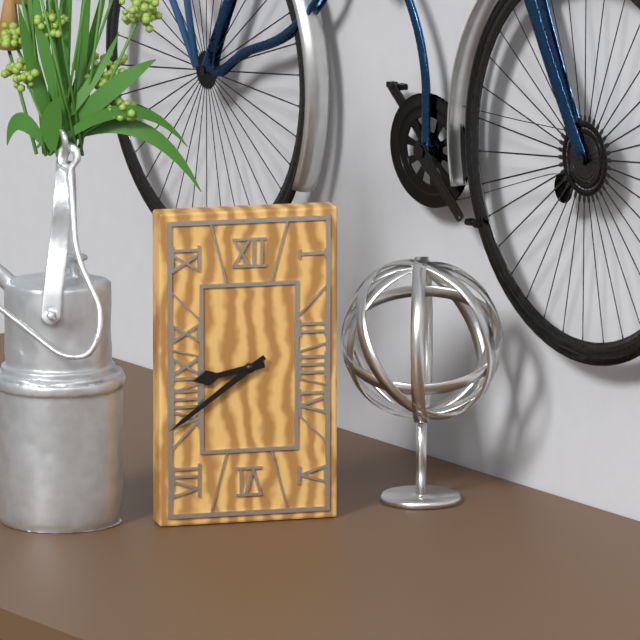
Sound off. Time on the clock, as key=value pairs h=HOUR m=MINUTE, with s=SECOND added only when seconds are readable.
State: h=8 m=39
